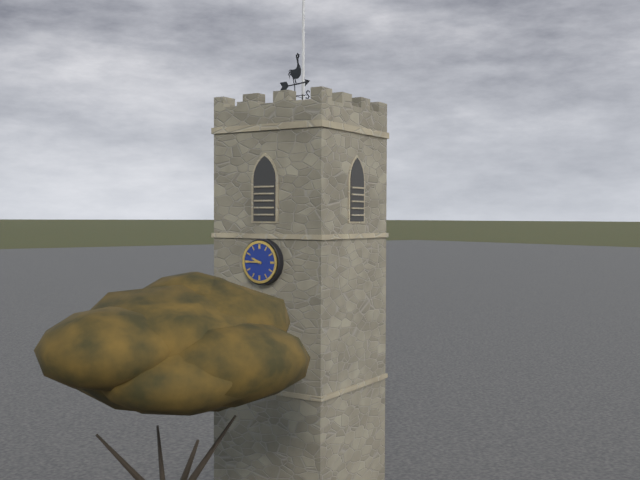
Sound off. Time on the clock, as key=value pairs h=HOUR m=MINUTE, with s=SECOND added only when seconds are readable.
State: h=9 m=45
